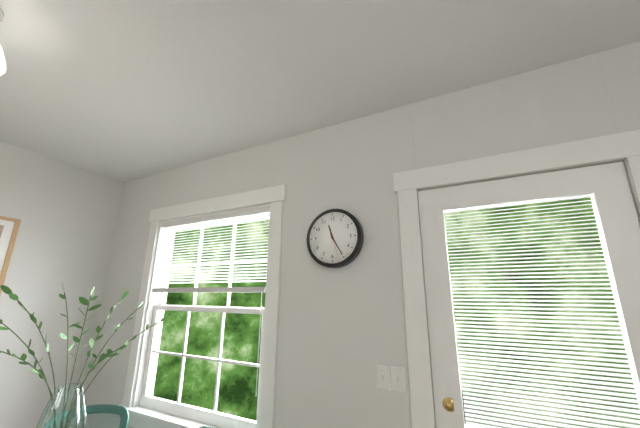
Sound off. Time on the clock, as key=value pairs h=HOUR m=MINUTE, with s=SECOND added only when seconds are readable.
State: h=11 m=25
